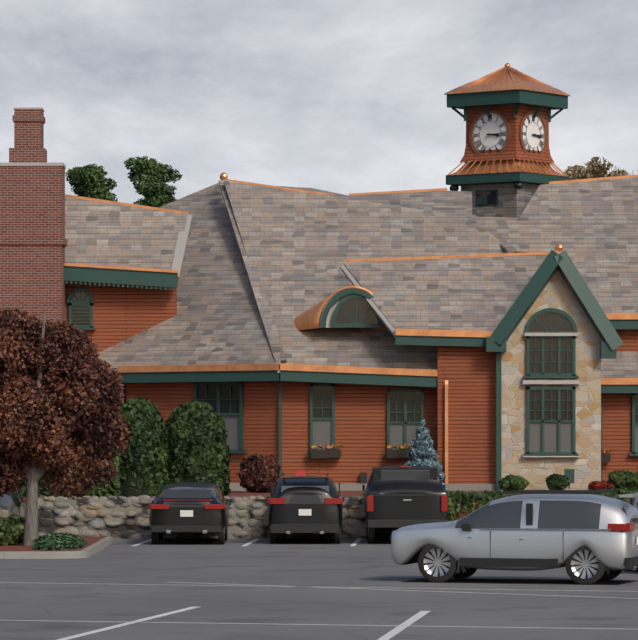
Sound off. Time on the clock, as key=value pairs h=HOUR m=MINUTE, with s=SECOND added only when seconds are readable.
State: h=3 m=15
